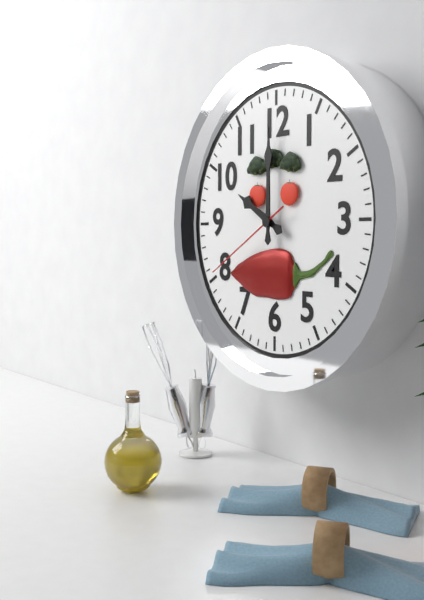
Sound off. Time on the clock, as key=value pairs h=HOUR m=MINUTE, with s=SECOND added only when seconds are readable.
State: h=10 m=0 s=40
